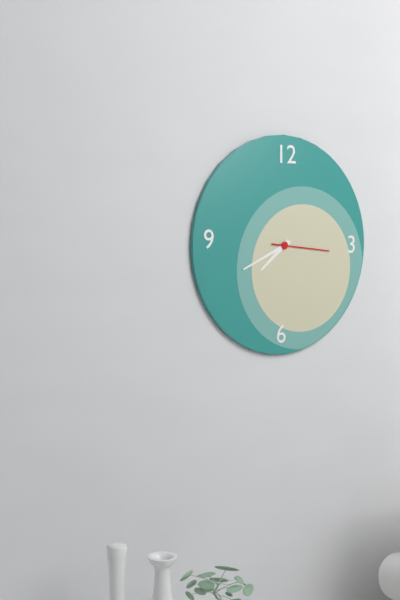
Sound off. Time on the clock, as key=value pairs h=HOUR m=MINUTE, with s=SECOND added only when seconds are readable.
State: h=7 m=41 s=16
